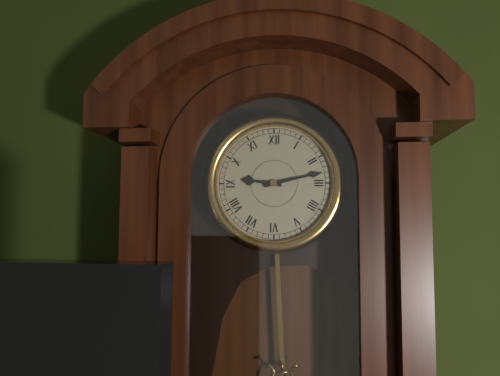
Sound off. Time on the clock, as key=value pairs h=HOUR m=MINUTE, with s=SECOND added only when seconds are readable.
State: h=9 m=13
